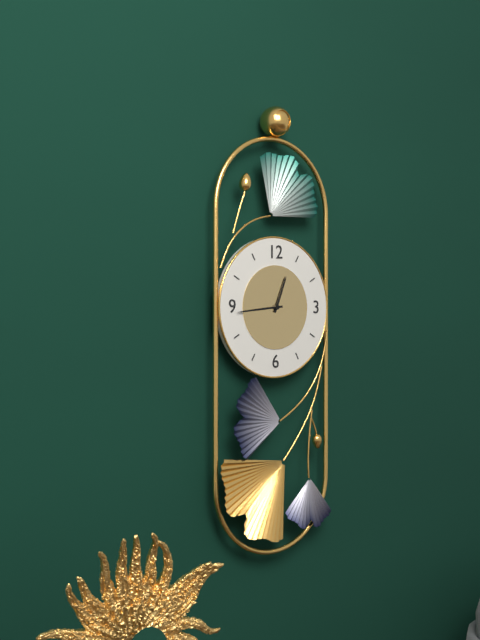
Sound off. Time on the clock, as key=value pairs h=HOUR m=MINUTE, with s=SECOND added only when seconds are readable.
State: h=12 m=44
